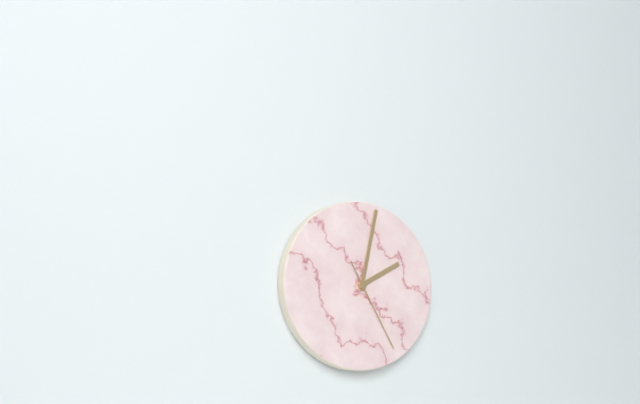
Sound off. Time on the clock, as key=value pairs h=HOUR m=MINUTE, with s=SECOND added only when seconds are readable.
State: h=2 m=2 s=25
